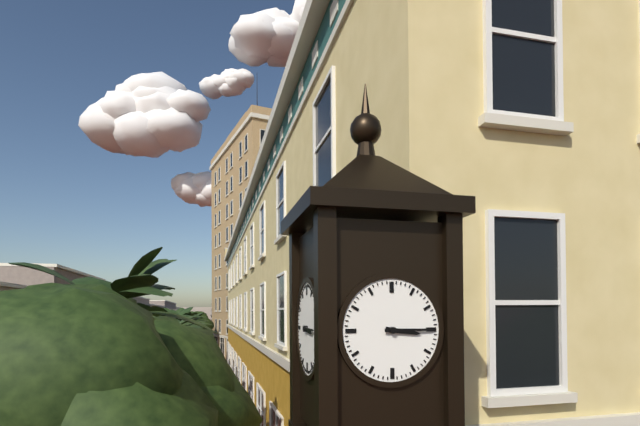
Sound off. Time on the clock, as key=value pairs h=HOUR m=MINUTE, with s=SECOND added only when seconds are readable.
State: h=3 m=15
